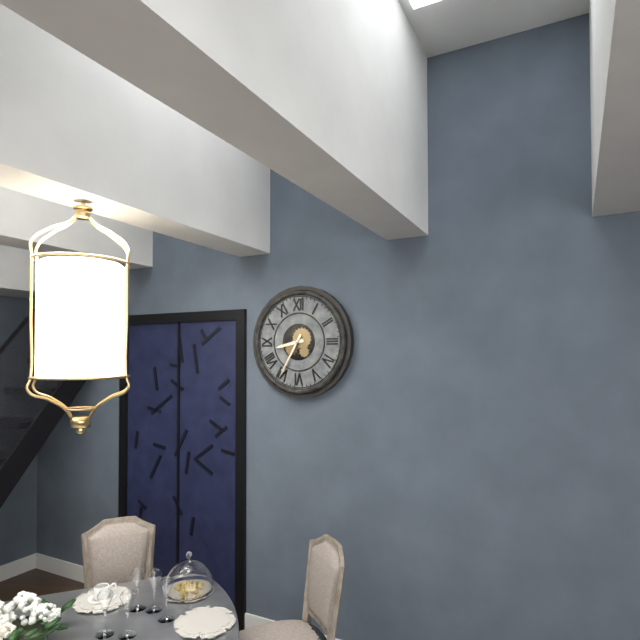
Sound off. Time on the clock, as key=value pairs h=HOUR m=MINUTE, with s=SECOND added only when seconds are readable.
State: h=8 m=35
